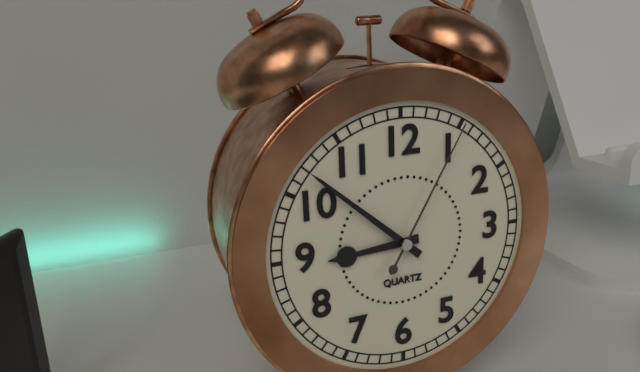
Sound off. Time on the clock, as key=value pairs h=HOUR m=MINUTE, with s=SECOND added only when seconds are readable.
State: h=8 m=52 s=5
